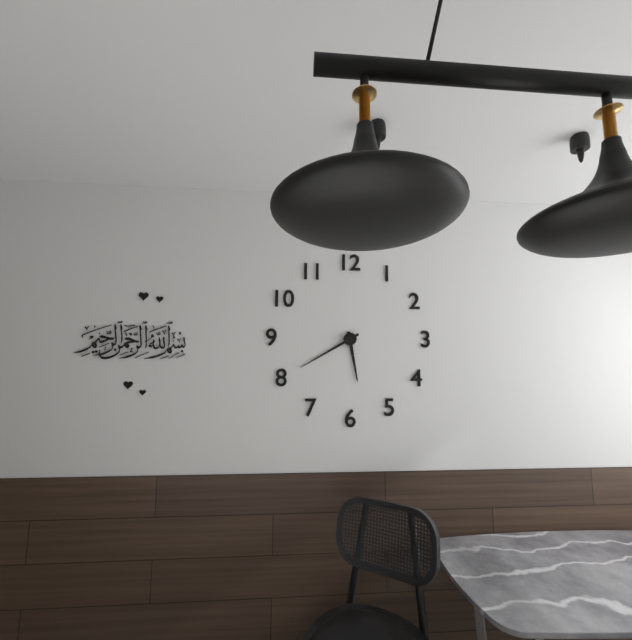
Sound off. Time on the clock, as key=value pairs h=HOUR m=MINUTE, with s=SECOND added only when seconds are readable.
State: h=5 m=40
